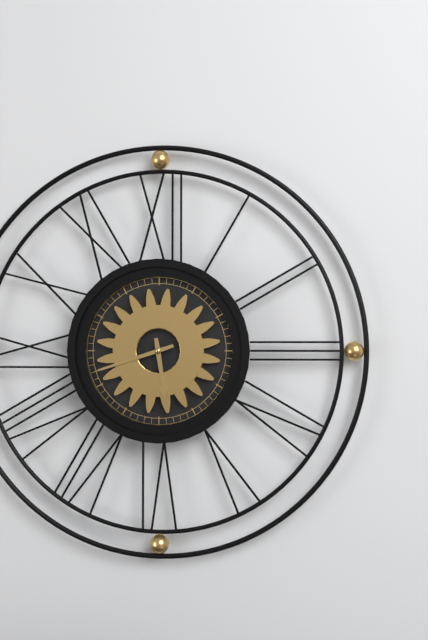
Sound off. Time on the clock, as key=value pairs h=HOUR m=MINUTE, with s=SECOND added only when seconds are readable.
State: h=5 m=42
